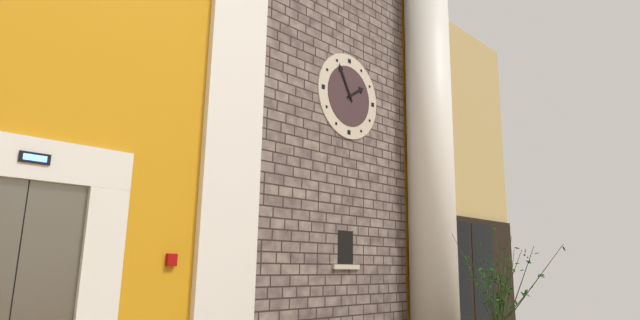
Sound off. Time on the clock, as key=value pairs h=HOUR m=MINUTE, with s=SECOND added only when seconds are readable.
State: h=1 m=55
